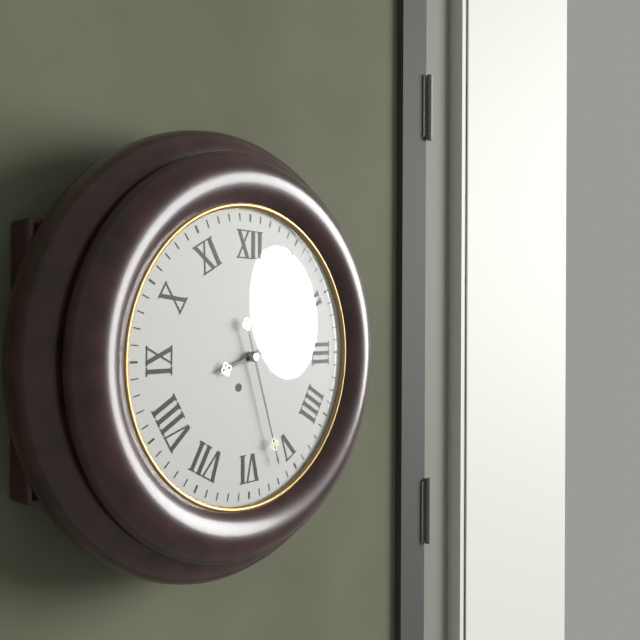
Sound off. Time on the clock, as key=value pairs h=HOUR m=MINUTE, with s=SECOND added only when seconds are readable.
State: h=2 m=27
